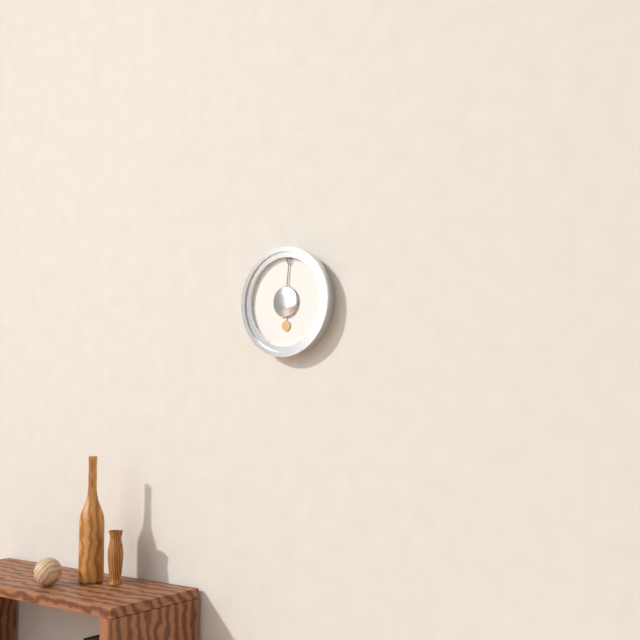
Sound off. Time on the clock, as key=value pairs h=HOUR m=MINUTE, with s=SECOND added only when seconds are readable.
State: h=6 m=1
